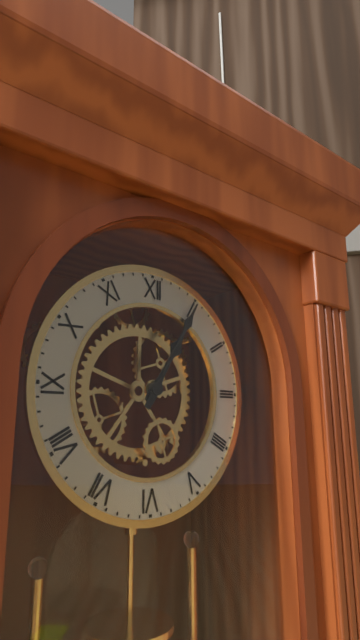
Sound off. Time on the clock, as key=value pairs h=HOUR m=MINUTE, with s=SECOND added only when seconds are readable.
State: h=1 m=5
